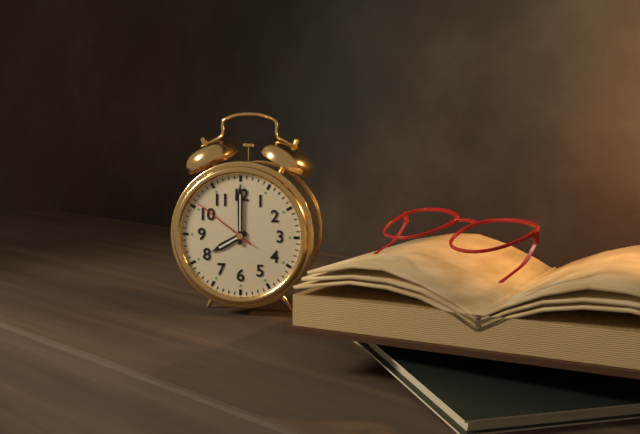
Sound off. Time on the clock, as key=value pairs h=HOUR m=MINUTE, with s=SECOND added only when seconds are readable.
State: h=8 m=0 s=51
